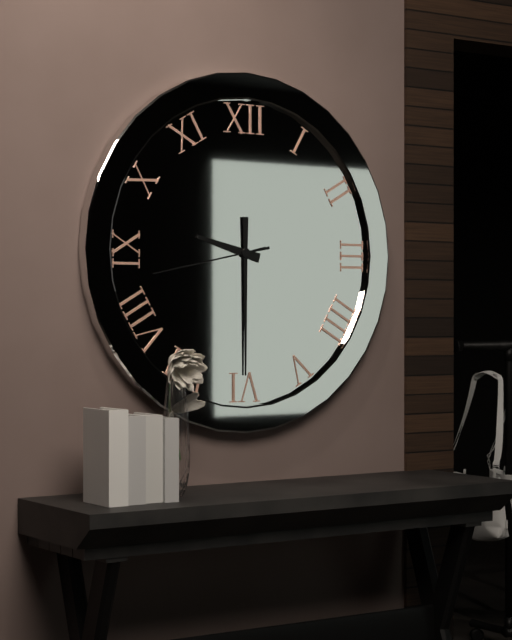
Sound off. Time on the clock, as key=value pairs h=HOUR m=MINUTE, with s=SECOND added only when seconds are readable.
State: h=9 m=30 s=43
